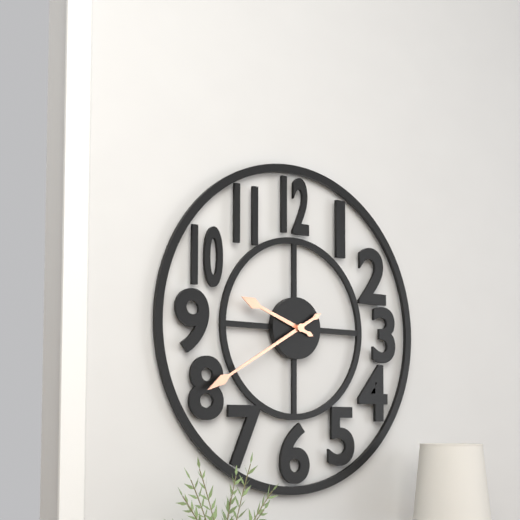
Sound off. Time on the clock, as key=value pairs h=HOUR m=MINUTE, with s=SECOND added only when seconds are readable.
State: h=9 m=40
